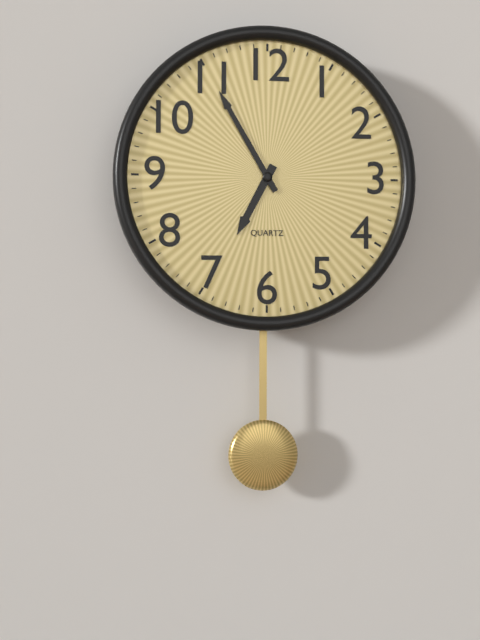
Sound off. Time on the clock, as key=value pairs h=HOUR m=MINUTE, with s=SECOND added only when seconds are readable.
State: h=6 m=55
